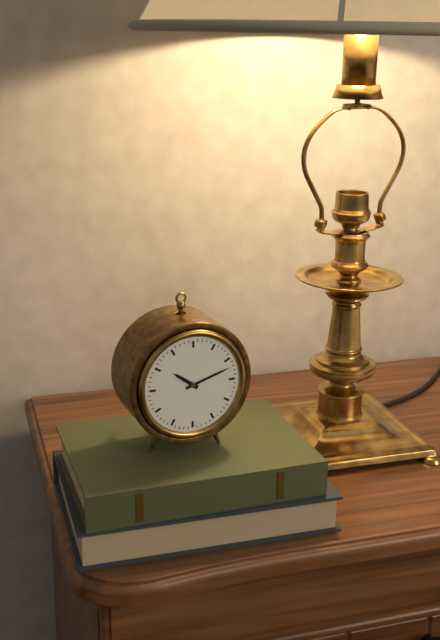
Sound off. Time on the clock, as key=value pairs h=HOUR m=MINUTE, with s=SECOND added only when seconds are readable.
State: h=10 m=12
